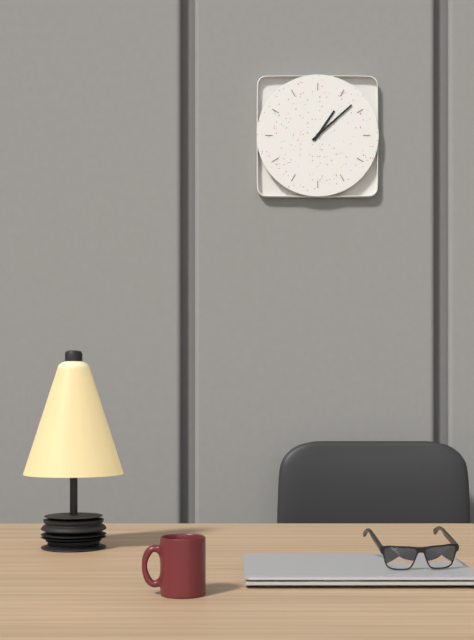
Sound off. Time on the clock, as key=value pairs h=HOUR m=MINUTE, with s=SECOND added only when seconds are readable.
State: h=1 m=8
